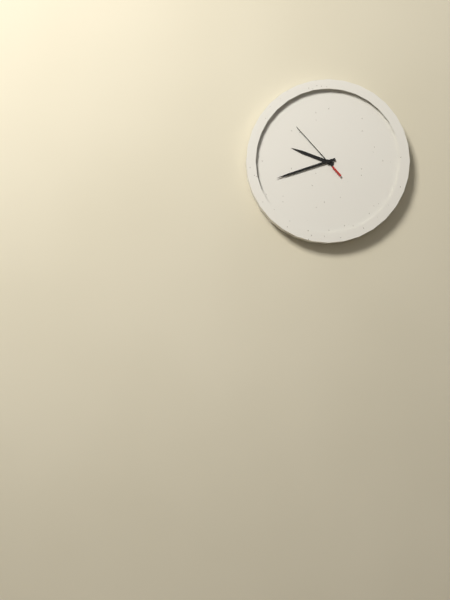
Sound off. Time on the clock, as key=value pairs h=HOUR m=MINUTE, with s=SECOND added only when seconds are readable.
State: h=9 m=42 s=53
